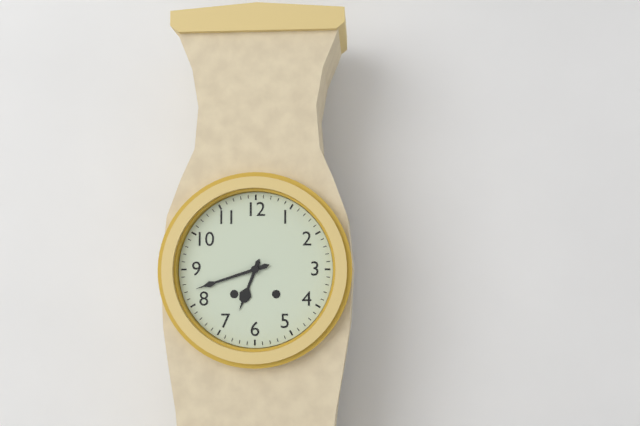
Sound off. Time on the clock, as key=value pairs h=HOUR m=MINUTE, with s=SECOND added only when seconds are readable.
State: h=6 m=42
